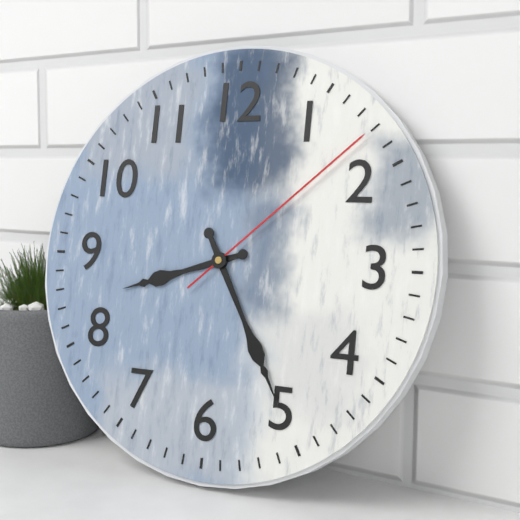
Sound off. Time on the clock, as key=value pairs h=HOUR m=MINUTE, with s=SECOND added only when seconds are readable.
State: h=8 m=25 s=8
